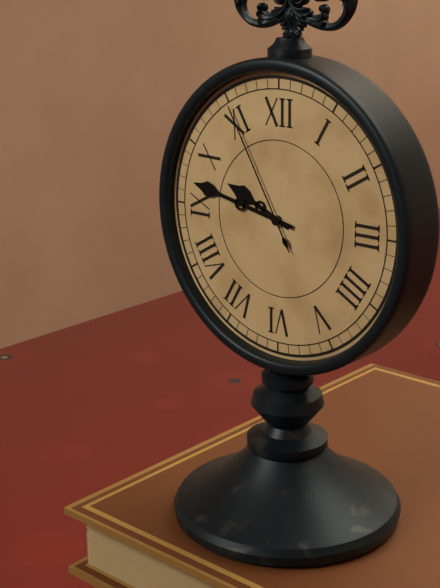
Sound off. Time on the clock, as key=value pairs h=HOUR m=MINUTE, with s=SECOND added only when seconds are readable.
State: h=9 m=47 s=55
